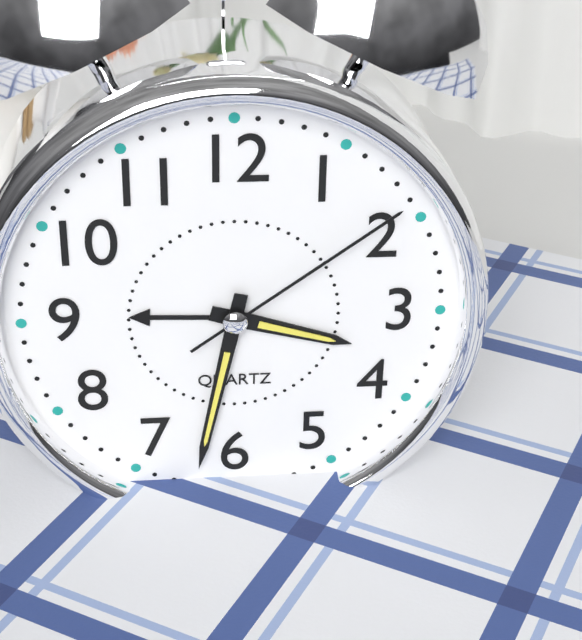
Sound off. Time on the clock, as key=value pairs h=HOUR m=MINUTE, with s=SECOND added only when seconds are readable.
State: h=3 m=32 s=9
